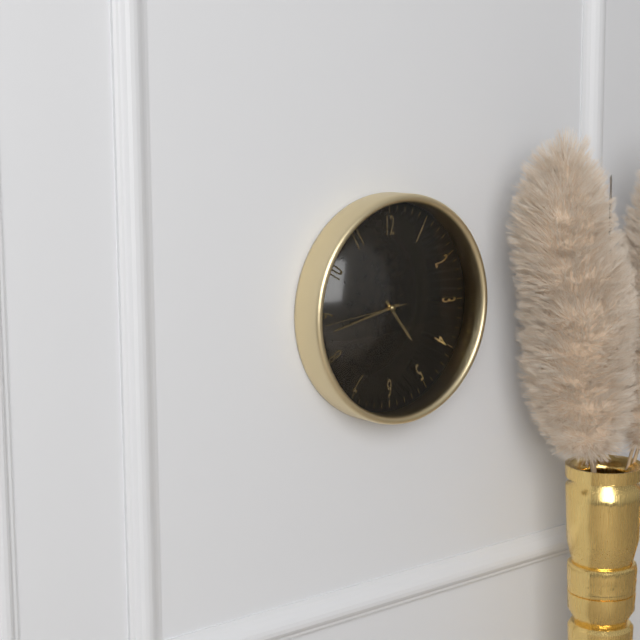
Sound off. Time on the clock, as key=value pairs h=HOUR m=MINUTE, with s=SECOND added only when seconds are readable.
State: h=4 m=43 s=44
